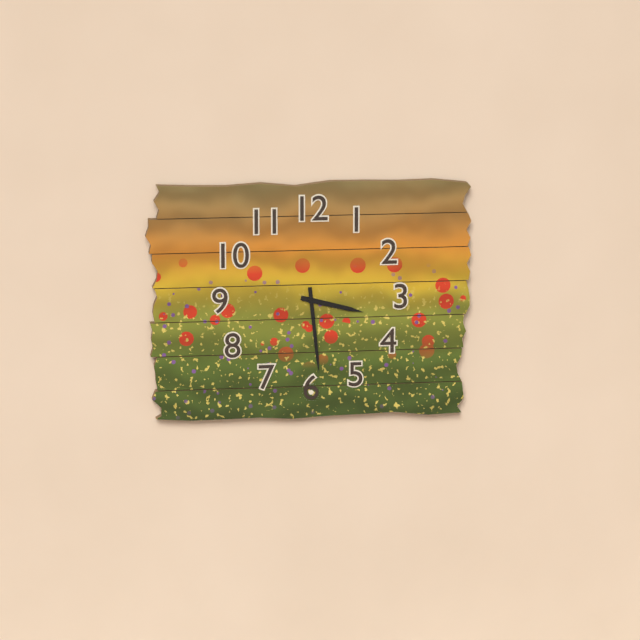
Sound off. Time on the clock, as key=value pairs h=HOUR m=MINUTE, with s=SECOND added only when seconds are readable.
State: h=3 m=29
